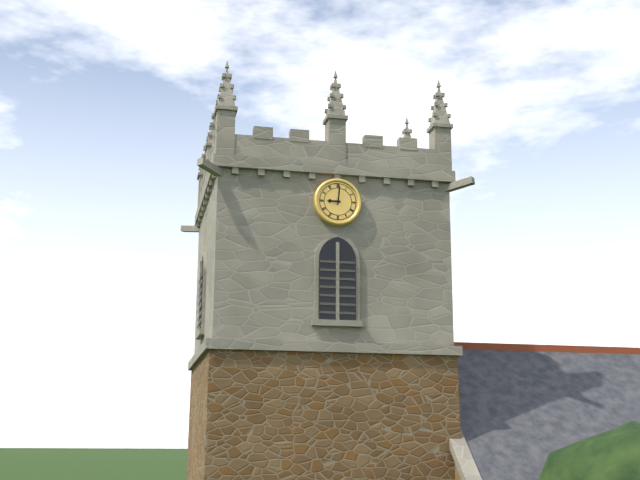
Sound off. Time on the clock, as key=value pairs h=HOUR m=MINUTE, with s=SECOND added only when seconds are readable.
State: h=9 m=1
